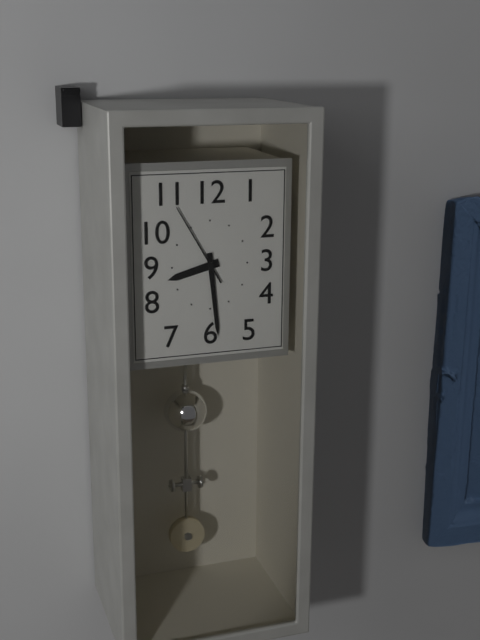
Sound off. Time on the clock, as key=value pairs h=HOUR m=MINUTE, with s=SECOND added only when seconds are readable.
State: h=8 m=29 s=55
